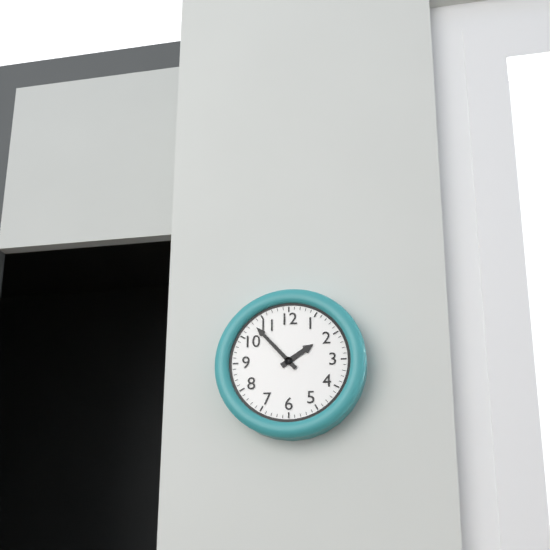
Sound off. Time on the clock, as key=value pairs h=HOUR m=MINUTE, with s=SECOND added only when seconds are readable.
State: h=1 m=53
